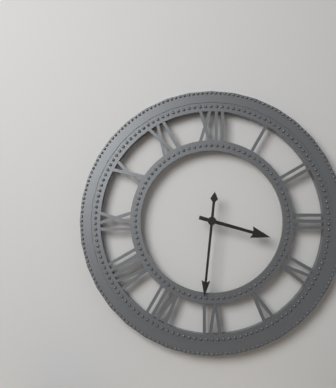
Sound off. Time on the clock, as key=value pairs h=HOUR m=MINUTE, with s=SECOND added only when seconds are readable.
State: h=3 m=31
